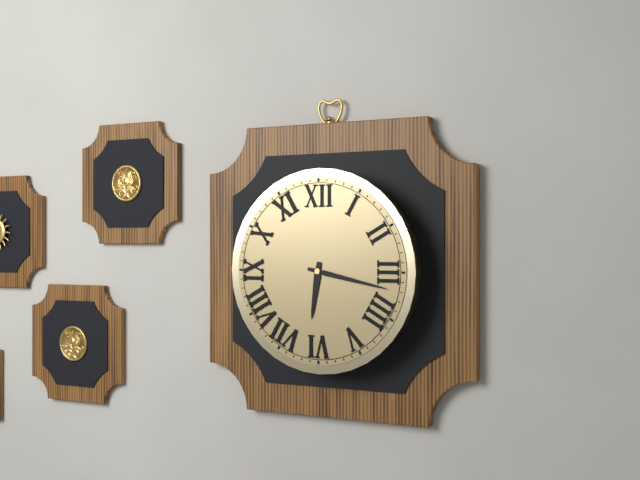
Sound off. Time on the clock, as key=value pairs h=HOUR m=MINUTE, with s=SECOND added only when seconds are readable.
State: h=6 m=17
